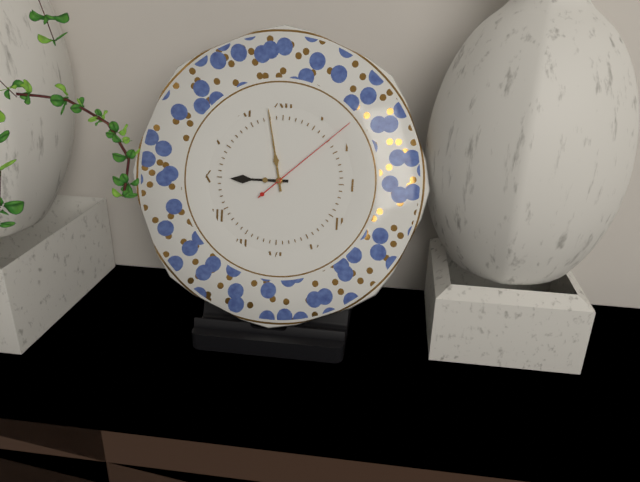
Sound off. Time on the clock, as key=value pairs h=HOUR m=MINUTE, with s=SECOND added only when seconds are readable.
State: h=8 m=58 s=8
